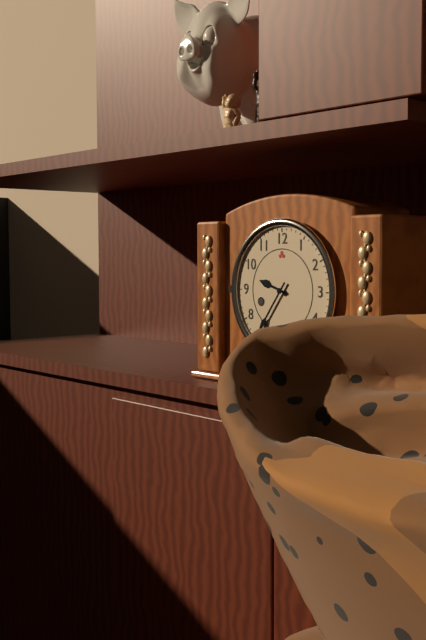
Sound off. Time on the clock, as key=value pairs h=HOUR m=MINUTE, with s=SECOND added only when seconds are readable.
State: h=9 m=36
